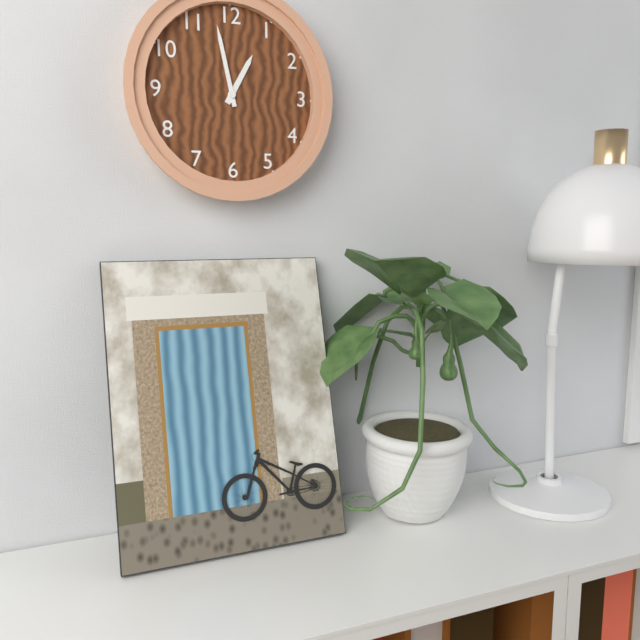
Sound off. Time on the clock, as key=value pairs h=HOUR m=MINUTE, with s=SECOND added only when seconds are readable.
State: h=12 m=58
